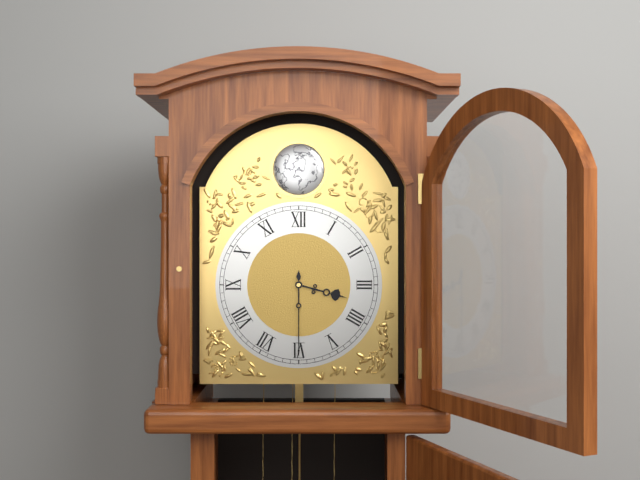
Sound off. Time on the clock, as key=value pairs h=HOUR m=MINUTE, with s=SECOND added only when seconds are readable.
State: h=3 m=30
